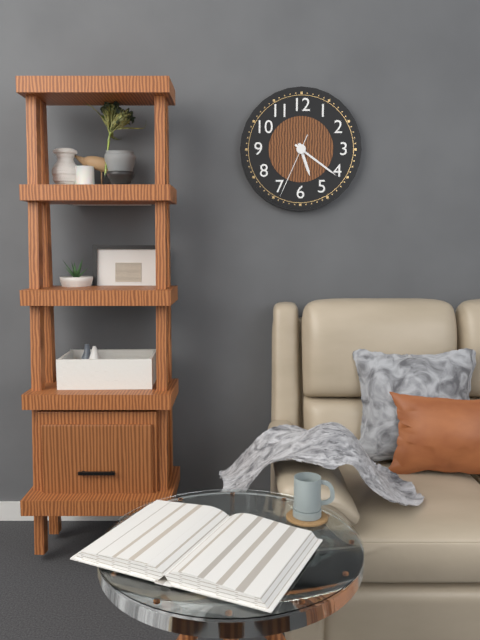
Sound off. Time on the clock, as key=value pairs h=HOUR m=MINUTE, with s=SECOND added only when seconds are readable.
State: h=5 m=21 s=34
